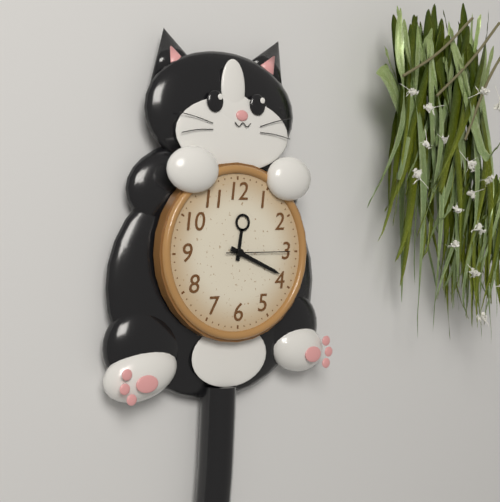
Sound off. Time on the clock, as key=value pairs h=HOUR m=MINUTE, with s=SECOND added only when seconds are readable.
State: h=12 m=19 s=15
